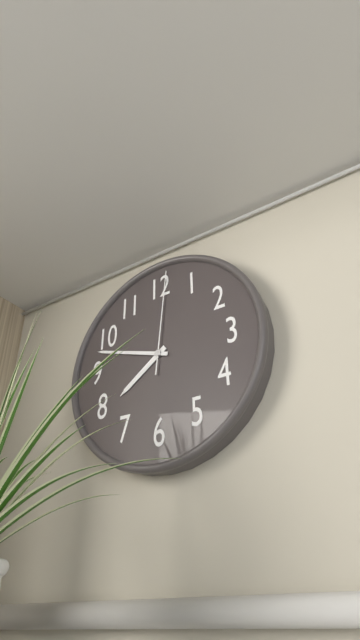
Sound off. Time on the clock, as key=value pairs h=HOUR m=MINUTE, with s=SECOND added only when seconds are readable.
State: h=7 m=48 s=1
